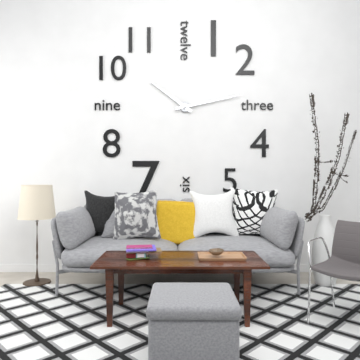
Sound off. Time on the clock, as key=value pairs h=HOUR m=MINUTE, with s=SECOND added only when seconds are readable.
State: h=10 m=13
